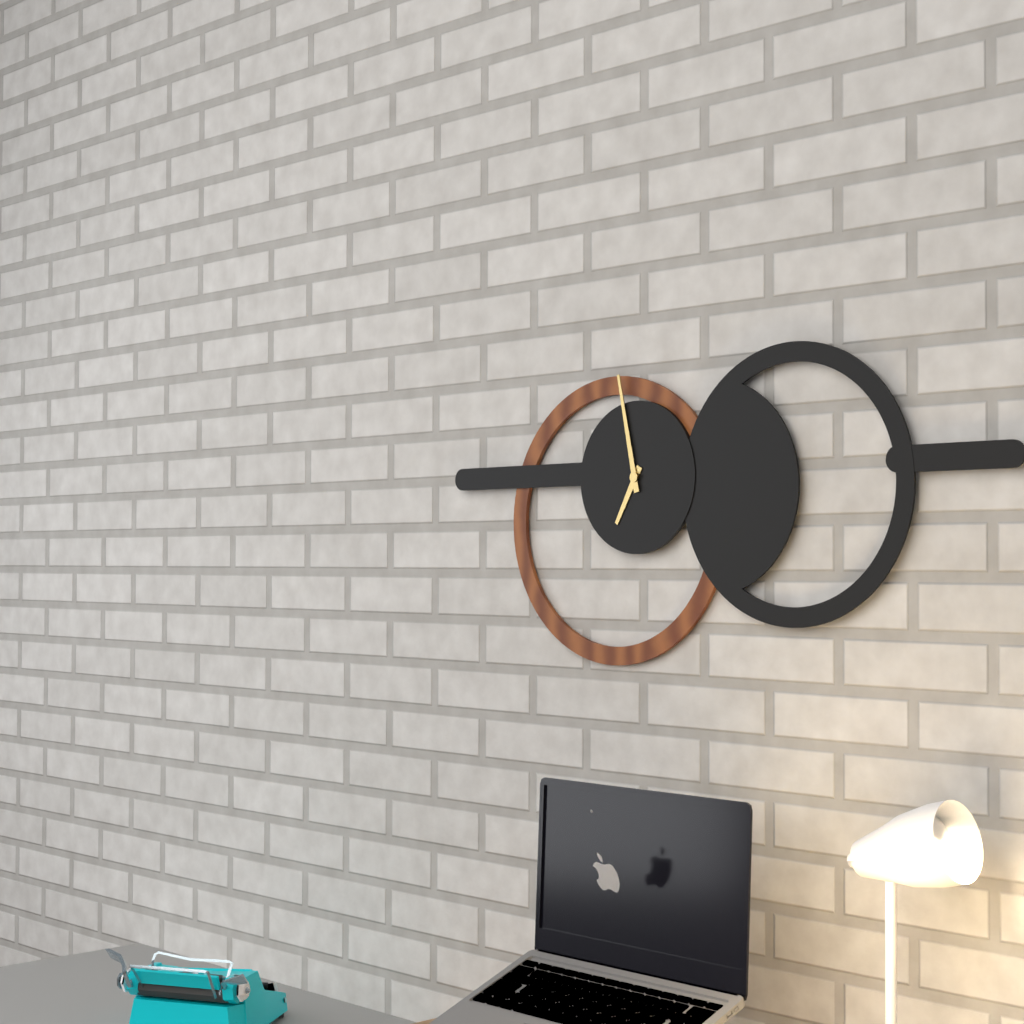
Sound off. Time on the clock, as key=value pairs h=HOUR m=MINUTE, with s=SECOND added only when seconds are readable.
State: h=6 m=58
